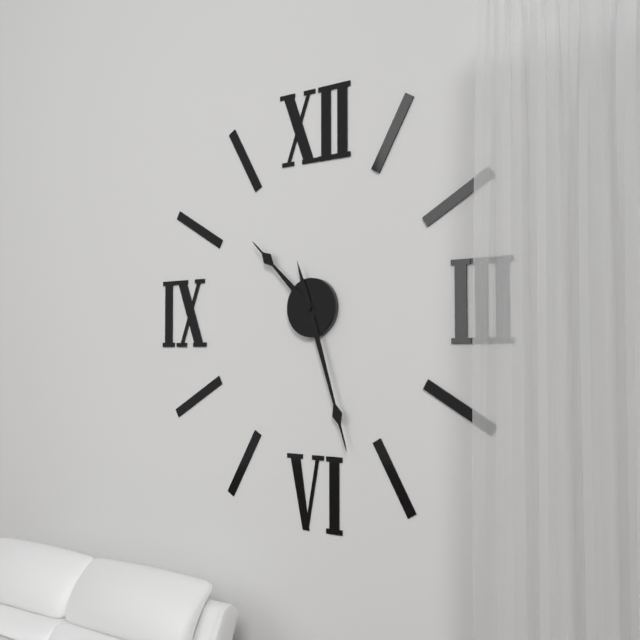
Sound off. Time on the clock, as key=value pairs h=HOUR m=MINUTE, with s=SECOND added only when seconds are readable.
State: h=10 m=27
